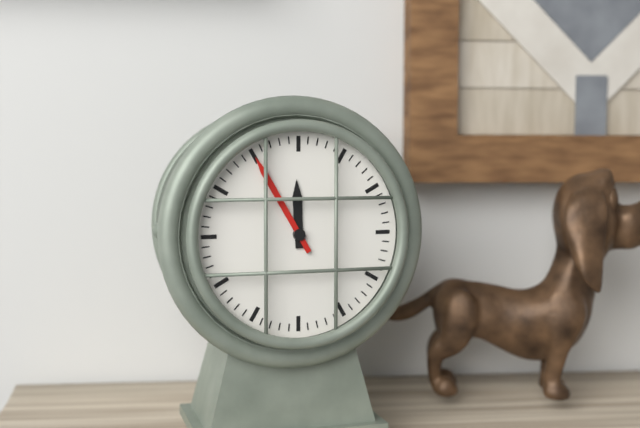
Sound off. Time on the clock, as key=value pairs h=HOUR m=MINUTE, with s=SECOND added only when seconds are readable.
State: h=11 m=55
